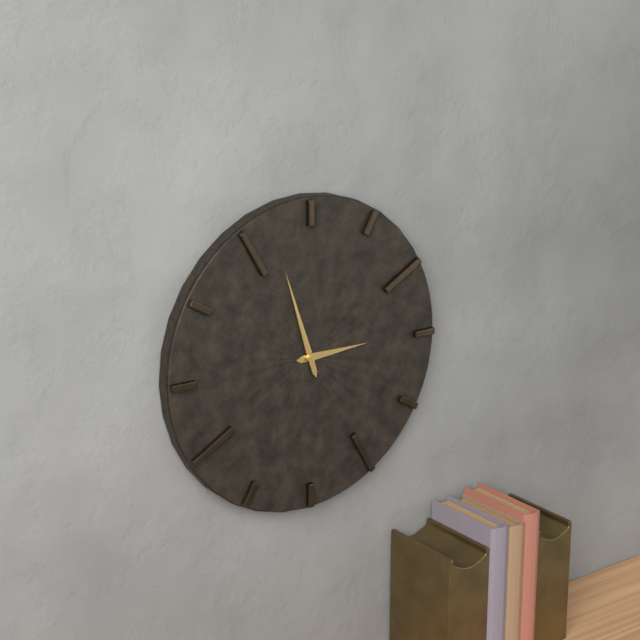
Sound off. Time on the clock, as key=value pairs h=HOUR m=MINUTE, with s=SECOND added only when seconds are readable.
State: h=2 m=57
